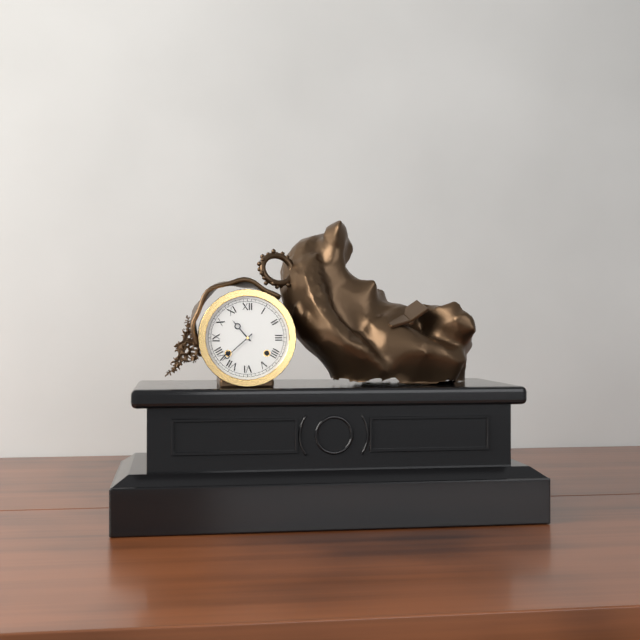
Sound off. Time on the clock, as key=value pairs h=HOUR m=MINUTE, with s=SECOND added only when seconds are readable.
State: h=10 m=38
